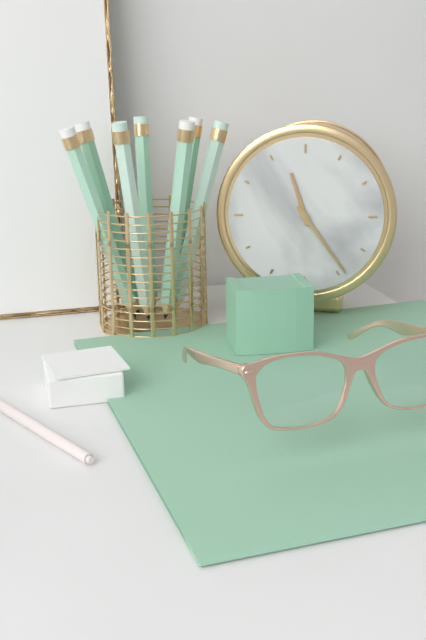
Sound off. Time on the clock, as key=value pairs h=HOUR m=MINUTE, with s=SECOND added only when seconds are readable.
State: h=11 m=24
